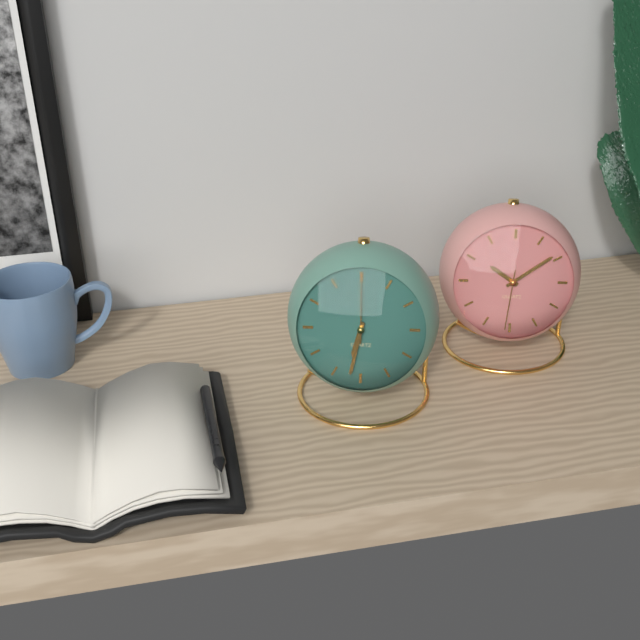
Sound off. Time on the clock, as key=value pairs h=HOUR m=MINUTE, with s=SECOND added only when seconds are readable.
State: h=6 m=32 s=0
